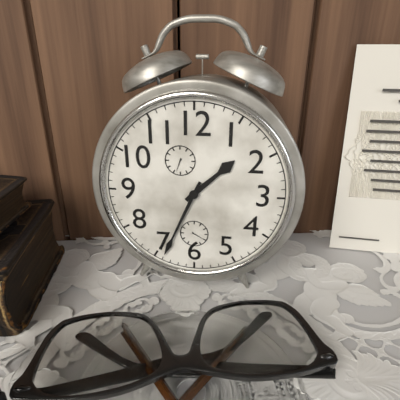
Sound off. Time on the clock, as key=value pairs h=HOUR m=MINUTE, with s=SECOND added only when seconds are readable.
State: h=1 m=34
